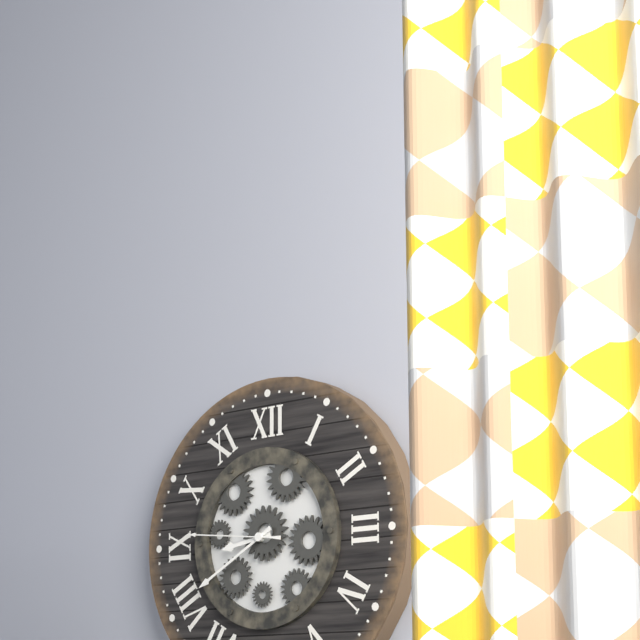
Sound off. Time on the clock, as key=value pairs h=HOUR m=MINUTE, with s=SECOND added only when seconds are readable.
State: h=8 m=40 s=46
